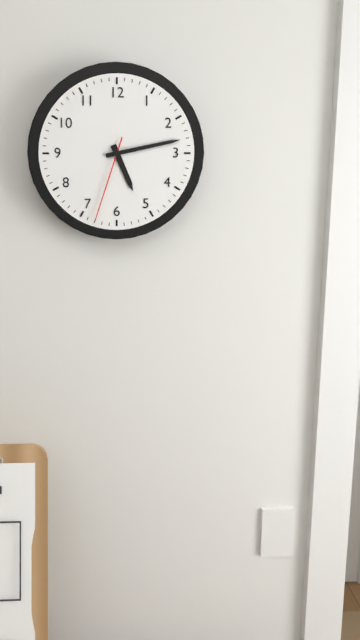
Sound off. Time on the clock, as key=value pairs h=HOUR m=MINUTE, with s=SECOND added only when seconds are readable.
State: h=5 m=13 s=33
